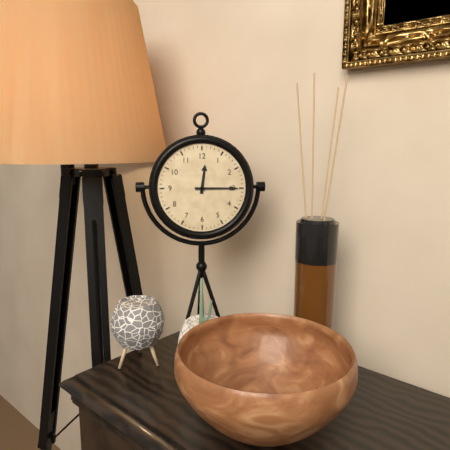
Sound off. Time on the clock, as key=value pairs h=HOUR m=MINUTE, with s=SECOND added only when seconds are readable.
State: h=12 m=15
